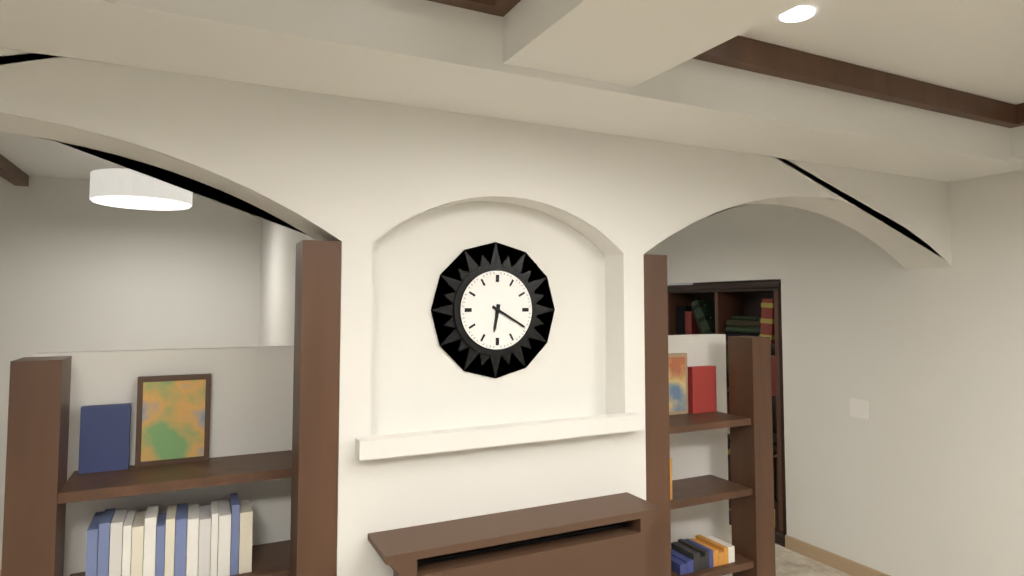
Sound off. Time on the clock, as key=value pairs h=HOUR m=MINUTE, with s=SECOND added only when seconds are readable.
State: h=6 m=20
